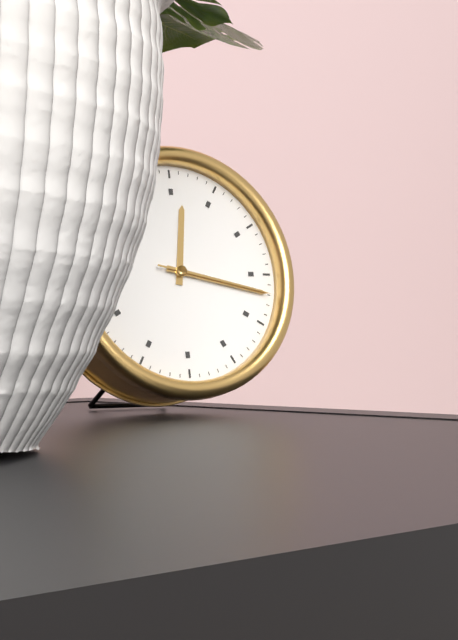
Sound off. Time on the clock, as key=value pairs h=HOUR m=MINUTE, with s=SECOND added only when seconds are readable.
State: h=12 m=17 s=17
